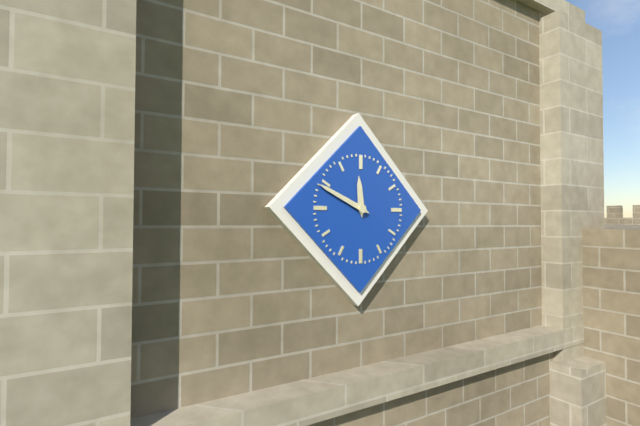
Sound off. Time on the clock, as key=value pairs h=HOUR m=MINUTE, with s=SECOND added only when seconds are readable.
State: h=11 m=49
